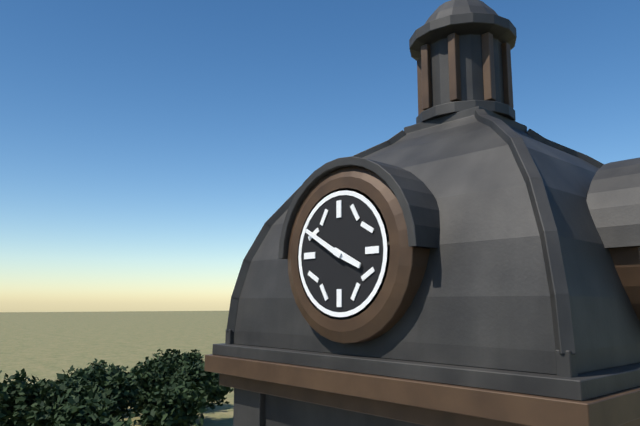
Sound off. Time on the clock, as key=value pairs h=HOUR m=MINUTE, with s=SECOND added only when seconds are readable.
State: h=3 m=50
